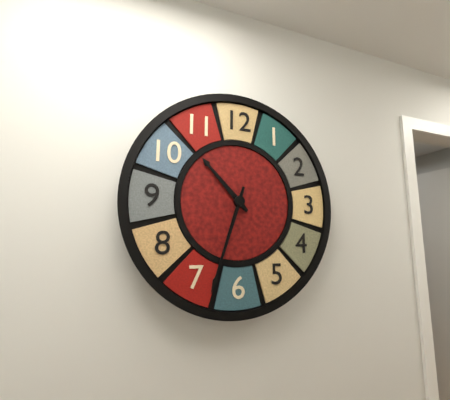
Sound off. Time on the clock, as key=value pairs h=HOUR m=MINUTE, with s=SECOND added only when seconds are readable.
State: h=10 m=33
